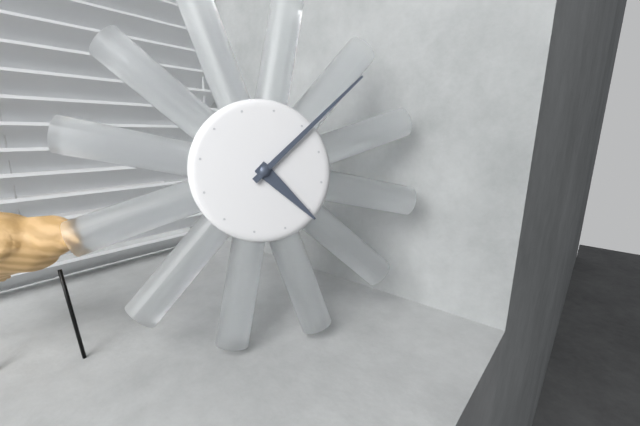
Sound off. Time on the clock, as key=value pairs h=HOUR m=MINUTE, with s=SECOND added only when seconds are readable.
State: h=4 m=6
